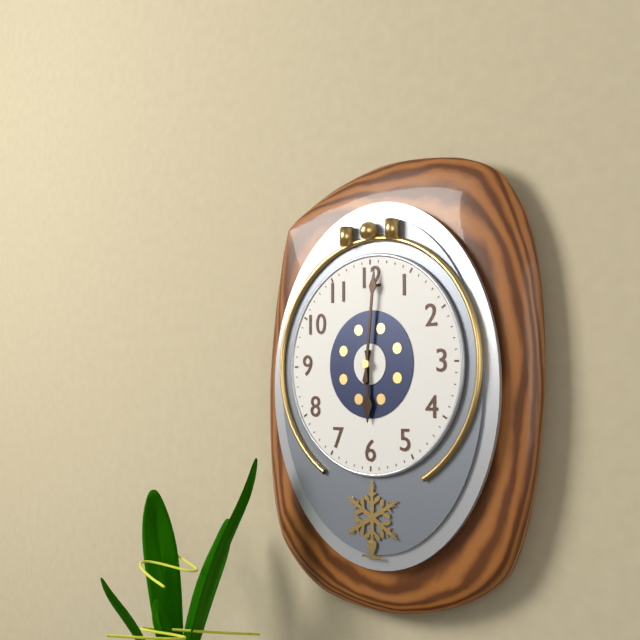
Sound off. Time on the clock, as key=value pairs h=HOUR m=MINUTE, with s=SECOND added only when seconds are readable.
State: h=6 m=1
